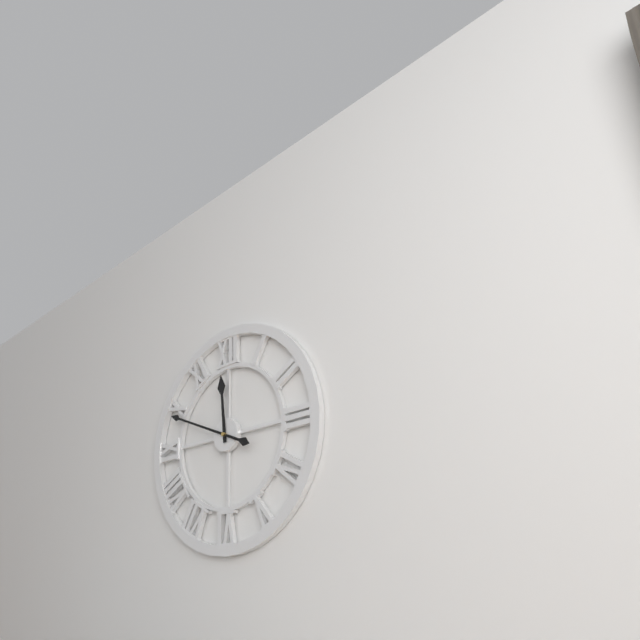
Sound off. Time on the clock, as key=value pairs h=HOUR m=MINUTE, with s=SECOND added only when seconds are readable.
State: h=11 m=49
